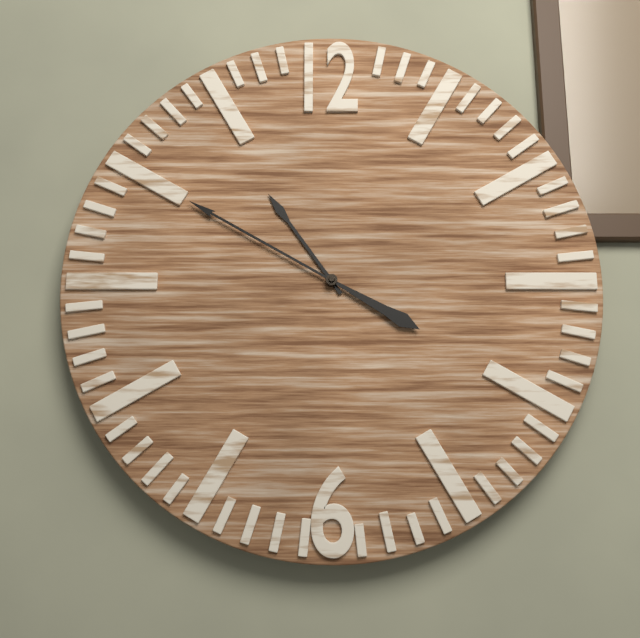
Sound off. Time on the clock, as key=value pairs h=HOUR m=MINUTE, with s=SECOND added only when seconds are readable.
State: h=10 m=50
